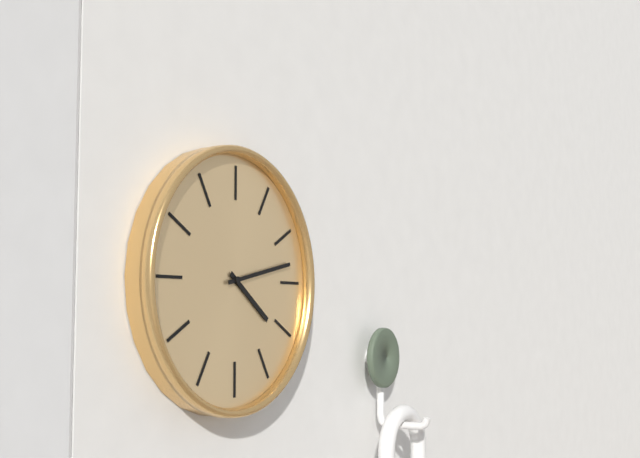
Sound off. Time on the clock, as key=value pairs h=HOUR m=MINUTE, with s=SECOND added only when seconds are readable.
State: h=4 m=13
